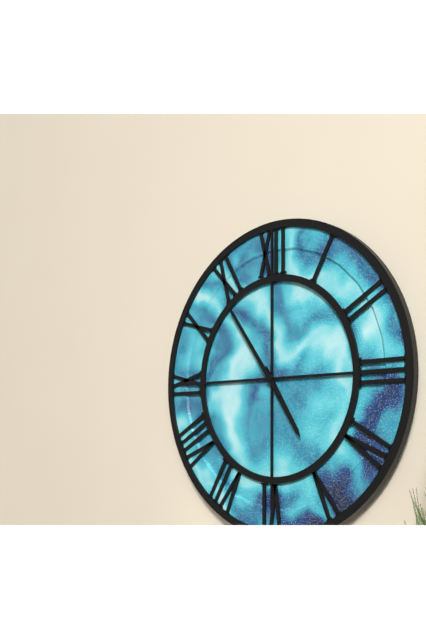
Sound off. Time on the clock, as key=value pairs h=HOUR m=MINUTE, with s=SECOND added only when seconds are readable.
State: h=4 m=54
